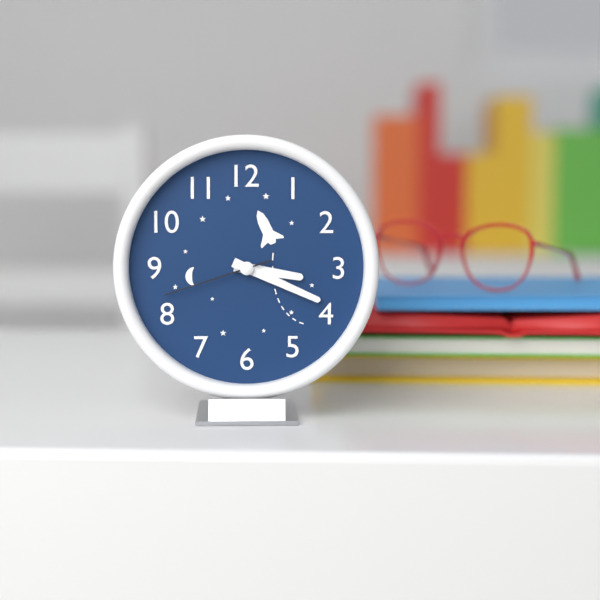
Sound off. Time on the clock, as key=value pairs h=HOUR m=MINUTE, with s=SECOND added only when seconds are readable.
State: h=3 m=19 s=42
